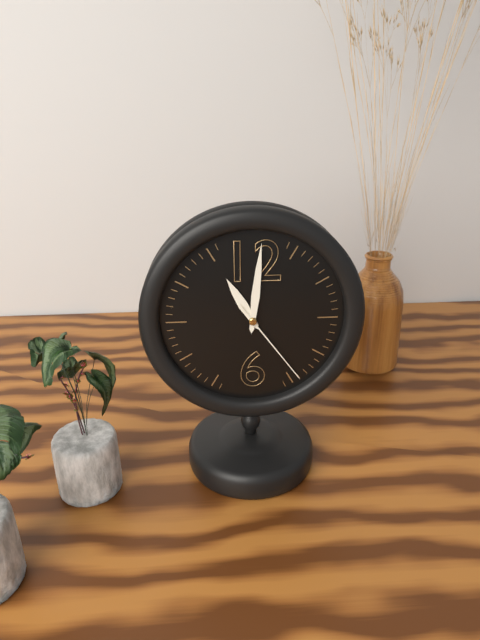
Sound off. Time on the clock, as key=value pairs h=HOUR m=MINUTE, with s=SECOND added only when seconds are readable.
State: h=11 m=1 s=24
